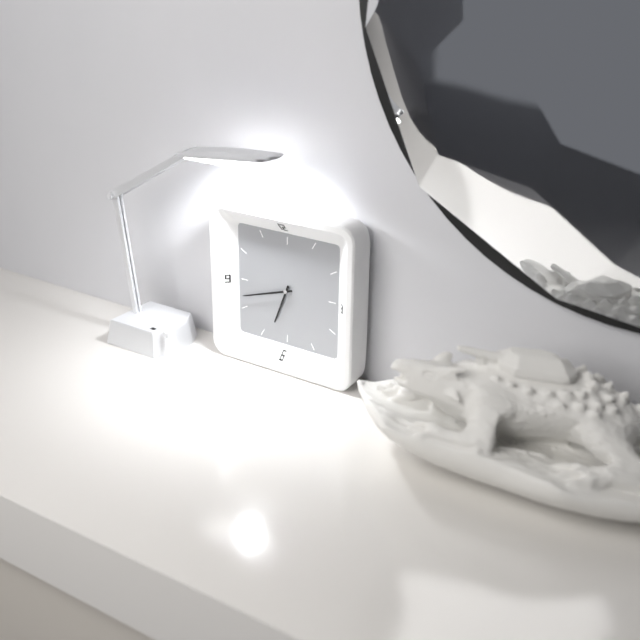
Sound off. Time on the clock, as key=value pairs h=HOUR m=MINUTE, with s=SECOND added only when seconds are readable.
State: h=6 m=42
